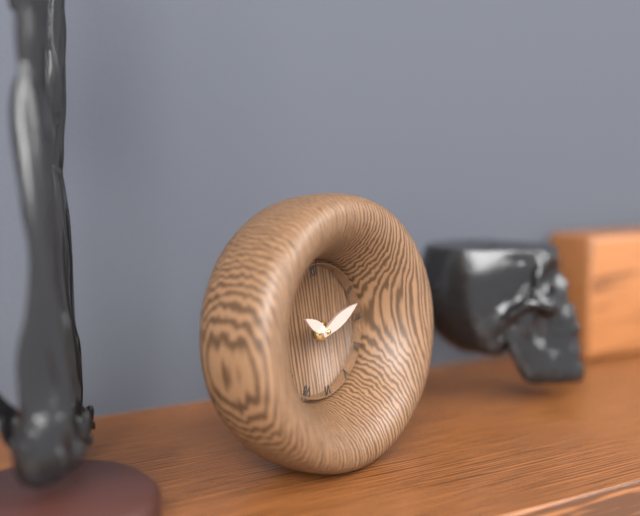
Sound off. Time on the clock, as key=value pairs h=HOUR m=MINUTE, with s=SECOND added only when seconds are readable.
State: h=10 m=12
